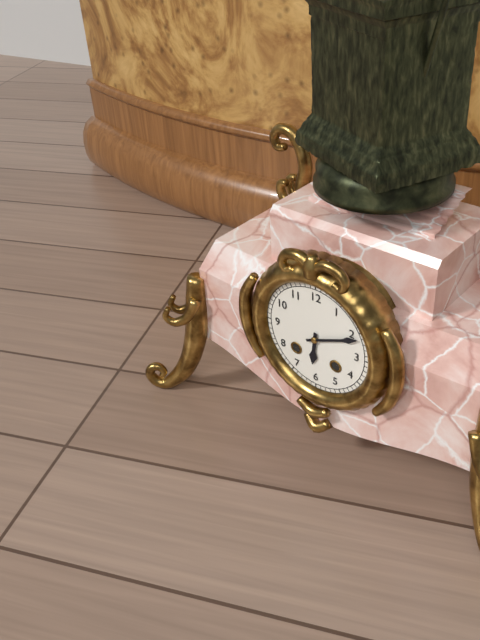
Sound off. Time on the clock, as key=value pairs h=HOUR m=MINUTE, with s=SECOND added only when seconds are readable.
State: h=6 m=11
